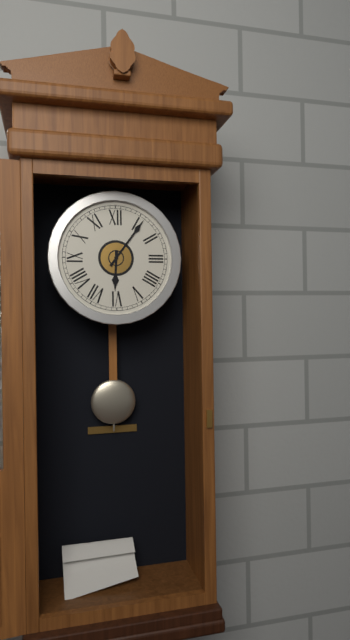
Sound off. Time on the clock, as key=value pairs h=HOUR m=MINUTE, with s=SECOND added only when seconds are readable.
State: h=6 m=6
